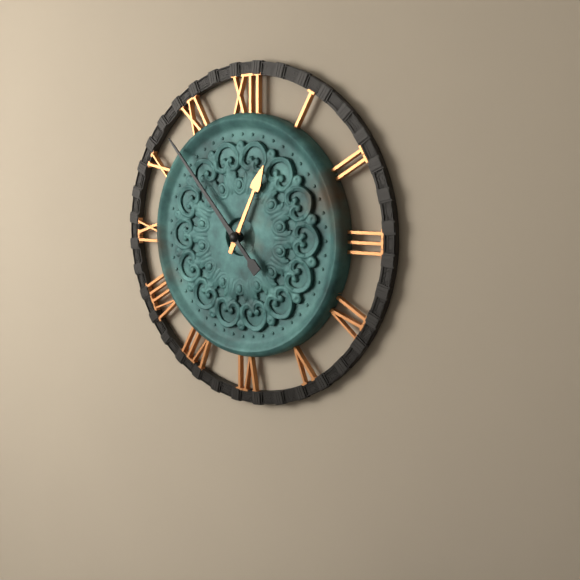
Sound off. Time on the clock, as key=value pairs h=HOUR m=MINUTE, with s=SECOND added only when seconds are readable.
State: h=12 m=53
